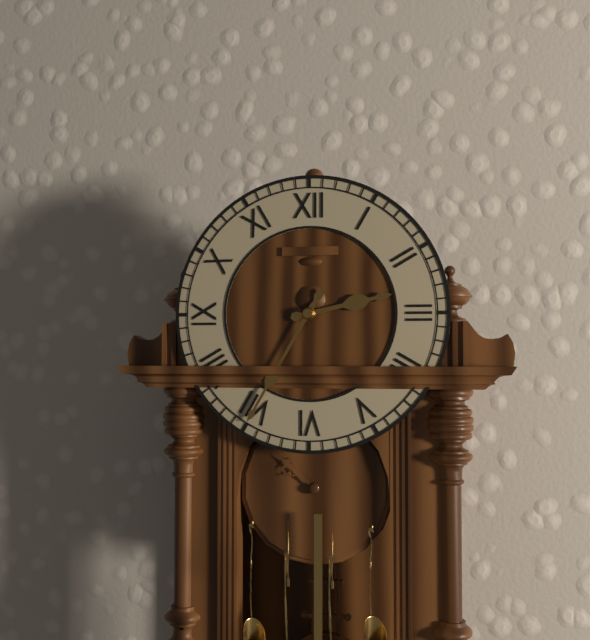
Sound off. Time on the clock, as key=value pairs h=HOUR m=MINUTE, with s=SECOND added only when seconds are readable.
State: h=2 m=35
